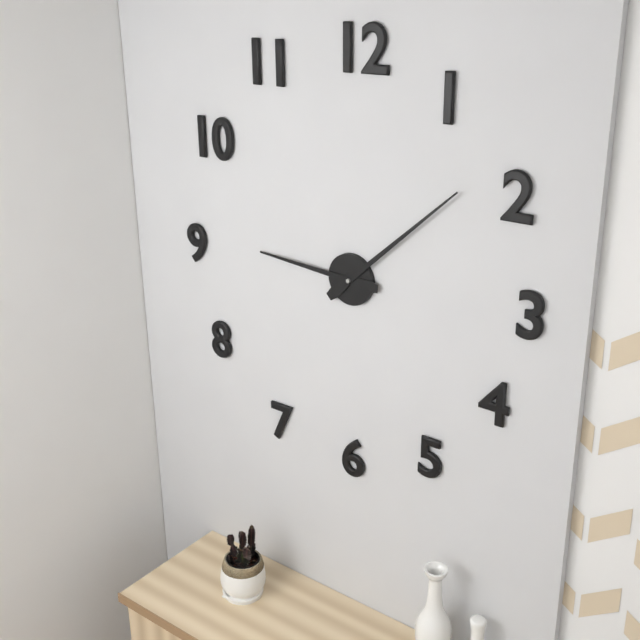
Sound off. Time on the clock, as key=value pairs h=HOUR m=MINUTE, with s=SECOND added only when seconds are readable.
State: h=9 m=8
